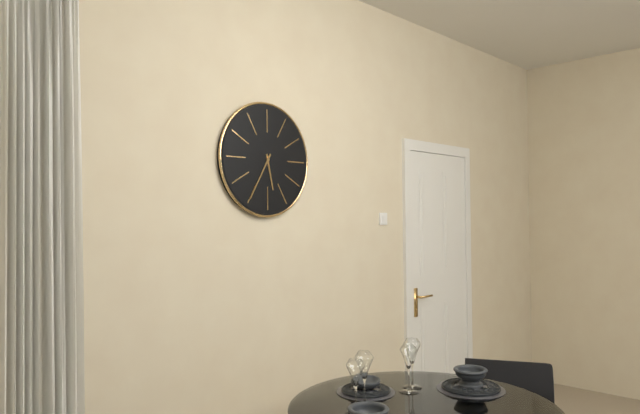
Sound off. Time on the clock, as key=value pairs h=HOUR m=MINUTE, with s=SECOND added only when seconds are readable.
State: h=5 m=35
